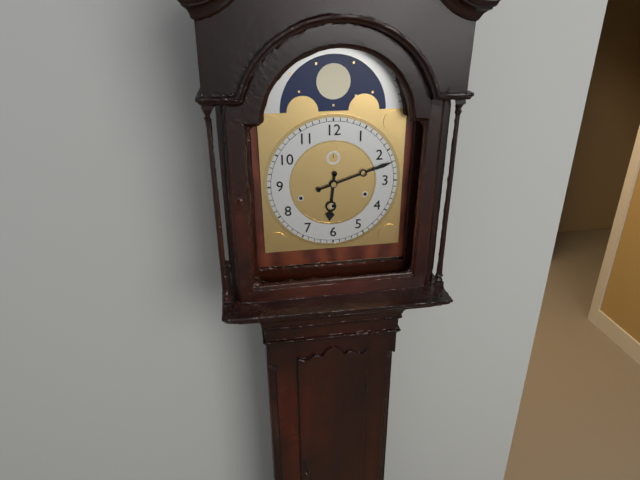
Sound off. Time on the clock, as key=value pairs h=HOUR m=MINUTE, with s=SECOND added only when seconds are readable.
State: h=6 m=12
